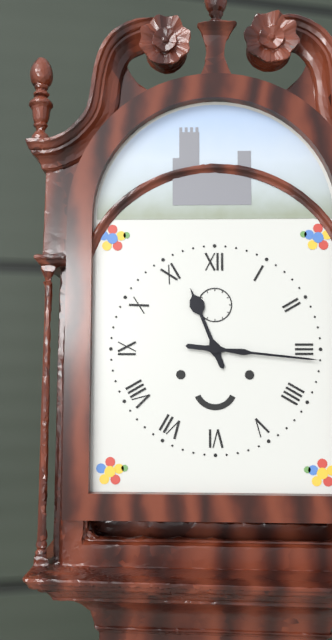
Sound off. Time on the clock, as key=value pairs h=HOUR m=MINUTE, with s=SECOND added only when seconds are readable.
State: h=11 m=16
